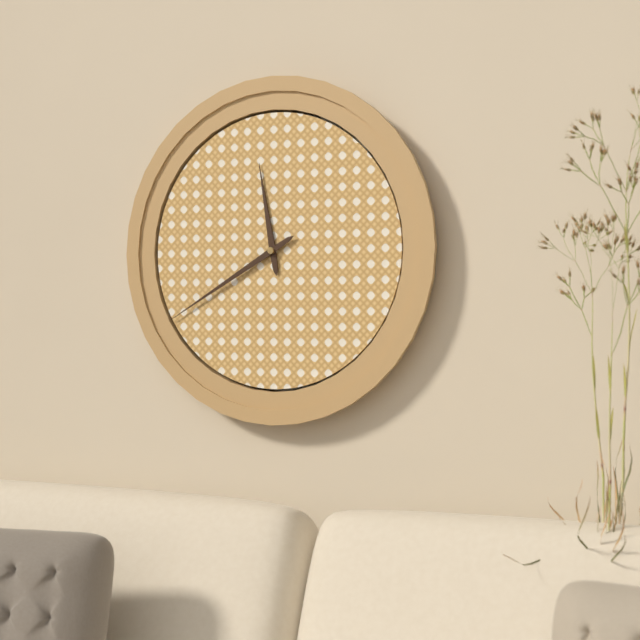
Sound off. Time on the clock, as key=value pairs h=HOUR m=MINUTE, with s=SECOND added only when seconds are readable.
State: h=11 m=40
